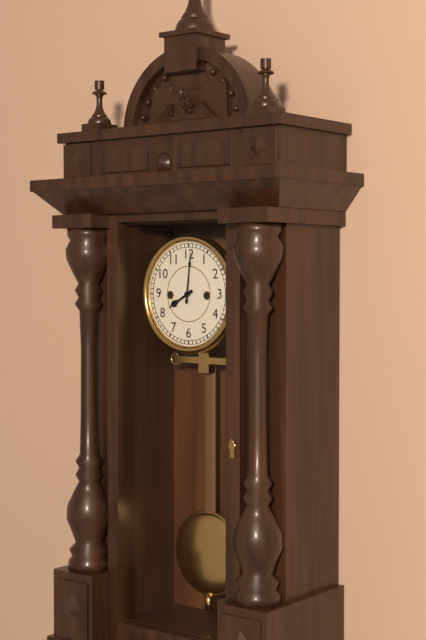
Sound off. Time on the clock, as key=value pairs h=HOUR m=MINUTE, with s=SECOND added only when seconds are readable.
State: h=8 m=1
